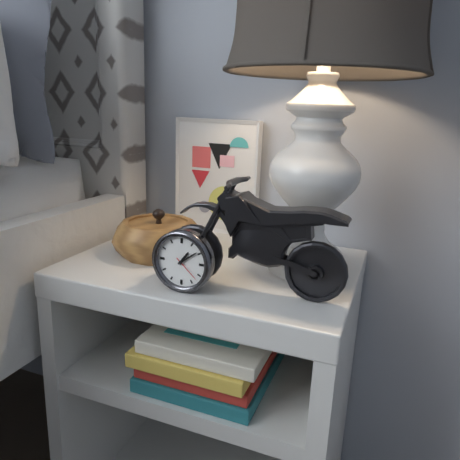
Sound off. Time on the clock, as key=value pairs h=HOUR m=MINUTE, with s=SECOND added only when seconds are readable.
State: h=1 m=9
